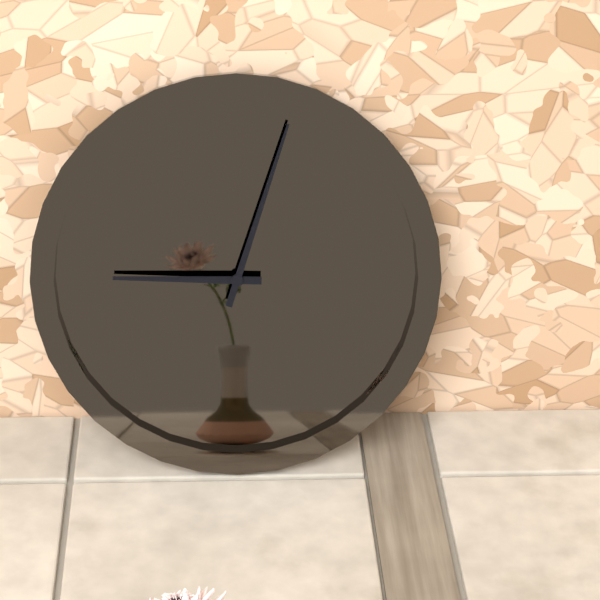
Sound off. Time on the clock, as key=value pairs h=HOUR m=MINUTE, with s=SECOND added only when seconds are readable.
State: h=9 m=3
